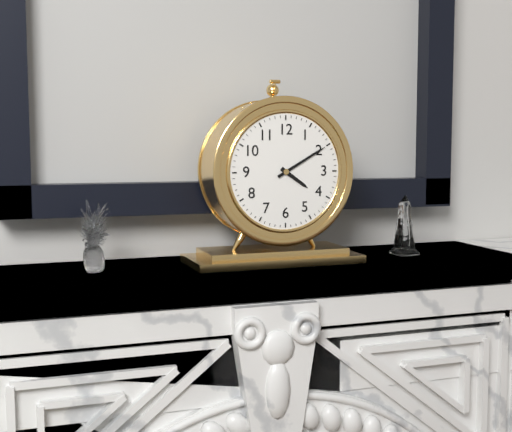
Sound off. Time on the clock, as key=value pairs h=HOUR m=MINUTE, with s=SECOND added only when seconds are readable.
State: h=4 m=10
